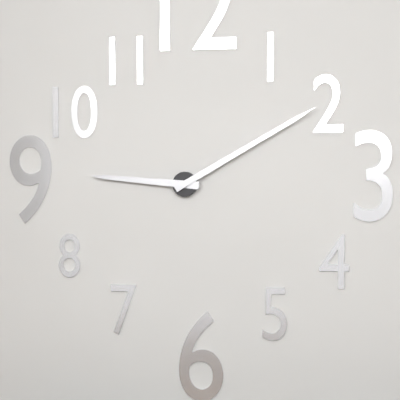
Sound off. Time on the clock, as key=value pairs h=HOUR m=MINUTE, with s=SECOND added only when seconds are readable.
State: h=9 m=10
